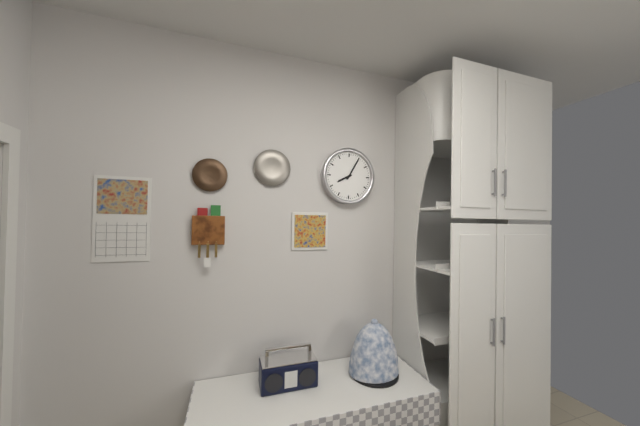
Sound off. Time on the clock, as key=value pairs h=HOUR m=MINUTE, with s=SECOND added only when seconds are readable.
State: h=8 m=5
